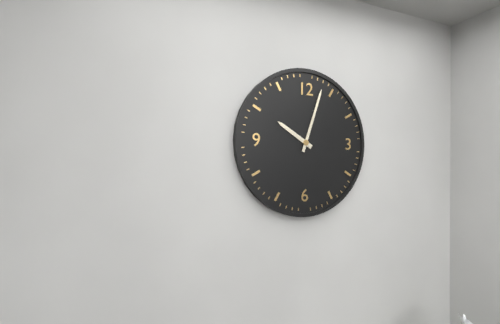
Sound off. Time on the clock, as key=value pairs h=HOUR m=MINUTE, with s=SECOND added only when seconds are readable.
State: h=10 m=3
